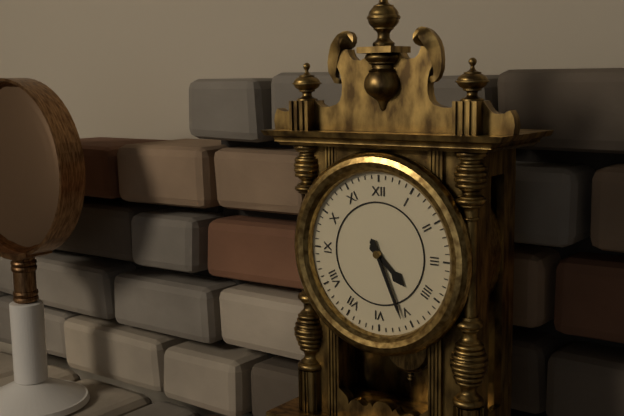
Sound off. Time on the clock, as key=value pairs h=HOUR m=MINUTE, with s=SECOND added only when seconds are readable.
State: h=4 m=26
